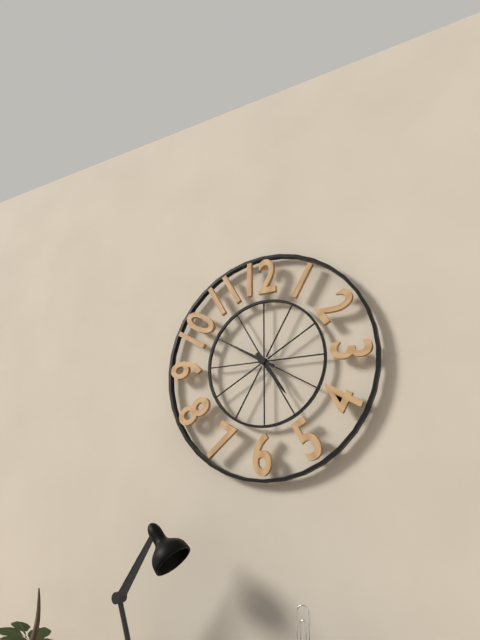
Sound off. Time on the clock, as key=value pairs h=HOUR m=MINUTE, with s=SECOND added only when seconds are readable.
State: h=4 m=50
